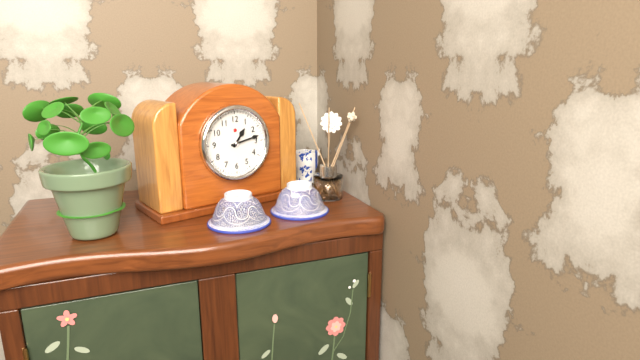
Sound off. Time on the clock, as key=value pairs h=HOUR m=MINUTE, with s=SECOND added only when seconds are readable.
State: h=1 m=13
